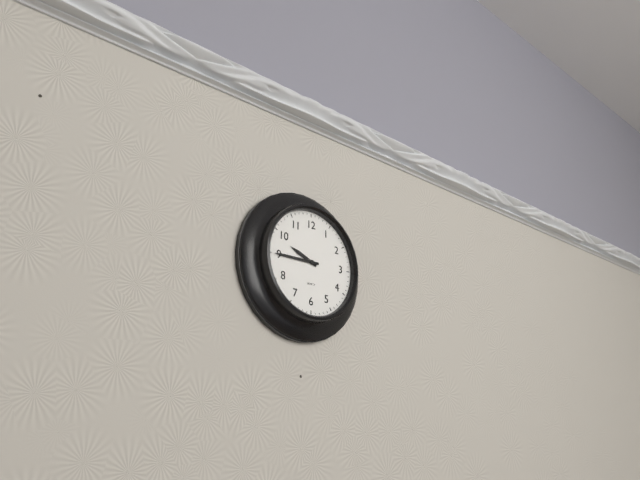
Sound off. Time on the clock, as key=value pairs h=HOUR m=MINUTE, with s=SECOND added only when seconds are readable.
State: h=9 m=45
